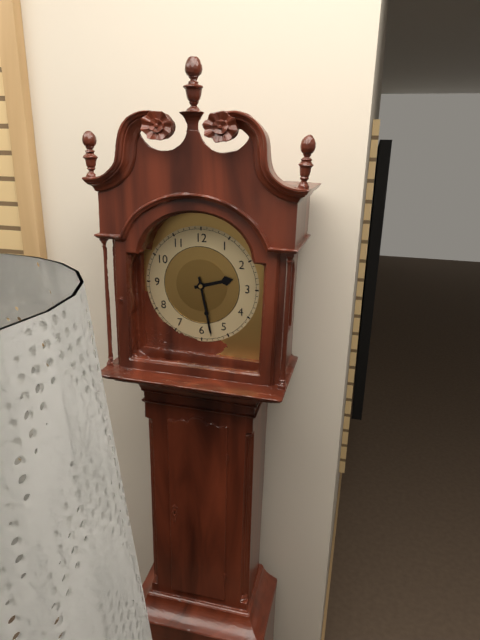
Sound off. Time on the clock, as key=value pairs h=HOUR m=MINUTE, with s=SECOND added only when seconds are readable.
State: h=2 m=28
